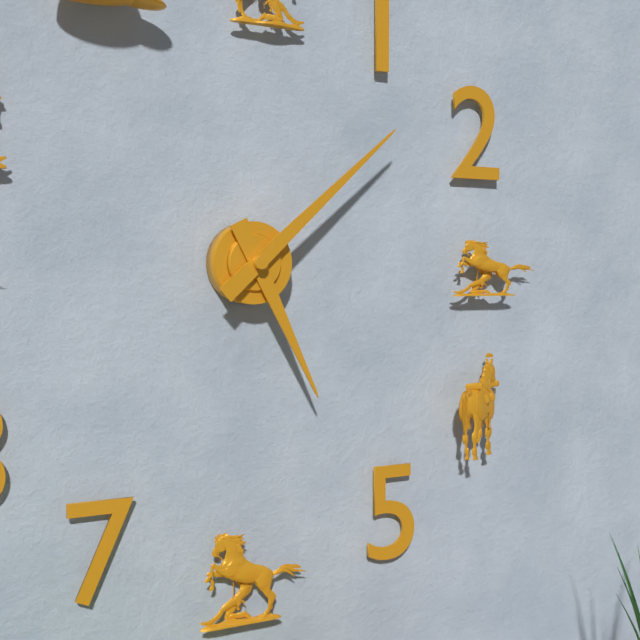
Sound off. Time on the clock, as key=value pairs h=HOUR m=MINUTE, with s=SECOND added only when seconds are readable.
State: h=5 m=8
